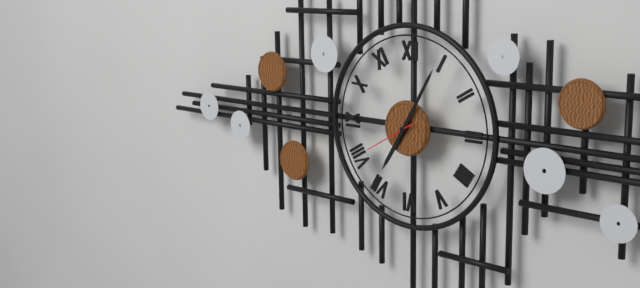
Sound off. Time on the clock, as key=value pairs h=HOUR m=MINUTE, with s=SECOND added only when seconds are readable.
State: h=7 m=5 s=40
